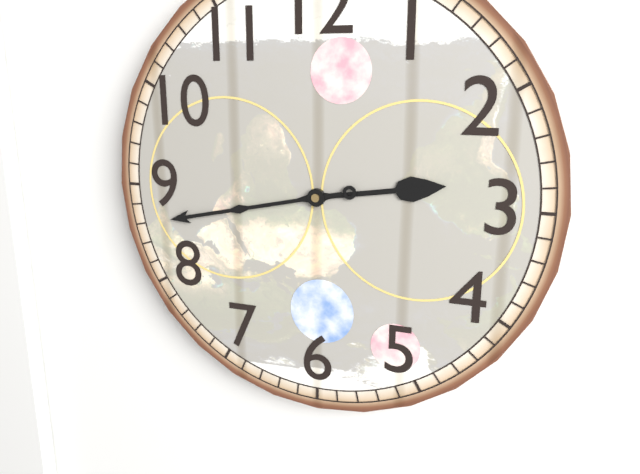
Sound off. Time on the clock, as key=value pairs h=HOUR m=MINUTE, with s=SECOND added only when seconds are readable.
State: h=2 m=43
